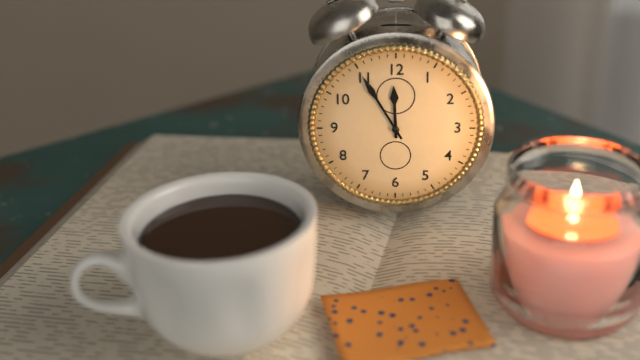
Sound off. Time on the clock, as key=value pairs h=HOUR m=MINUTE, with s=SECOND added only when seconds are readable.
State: h=11 m=55
